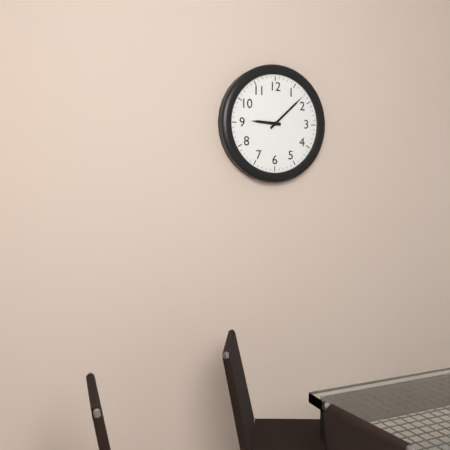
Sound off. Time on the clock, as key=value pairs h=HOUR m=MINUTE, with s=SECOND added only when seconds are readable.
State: h=9 m=8
